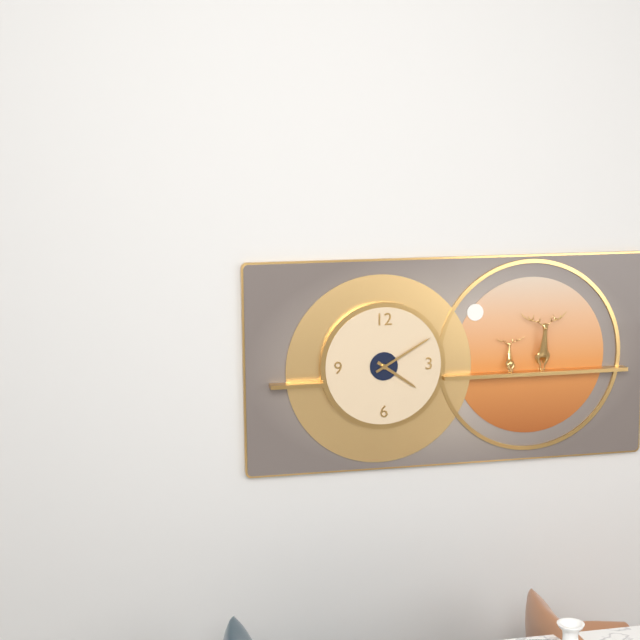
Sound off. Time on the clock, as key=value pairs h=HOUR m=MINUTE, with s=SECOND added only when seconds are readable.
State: h=4 m=10
